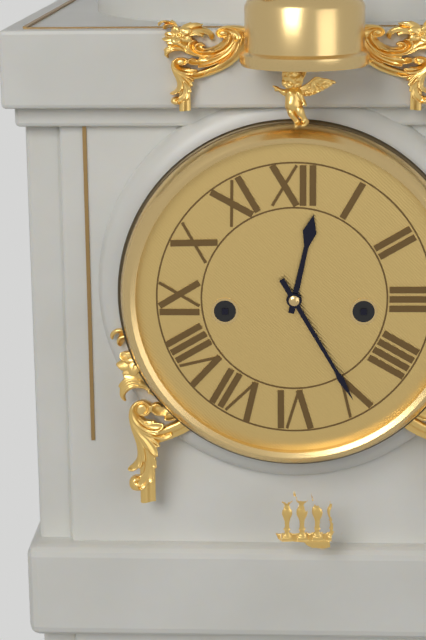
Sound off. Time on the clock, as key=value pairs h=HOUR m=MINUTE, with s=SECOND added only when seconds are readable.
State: h=12 m=25
